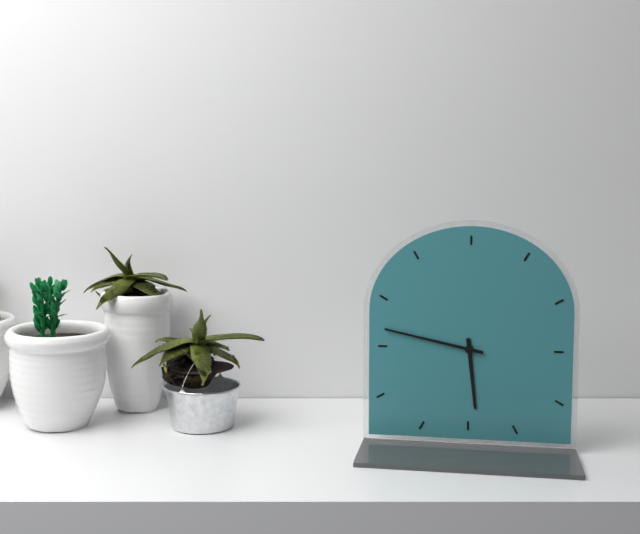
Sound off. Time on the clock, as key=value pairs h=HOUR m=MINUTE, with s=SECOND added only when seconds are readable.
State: h=5 m=47
